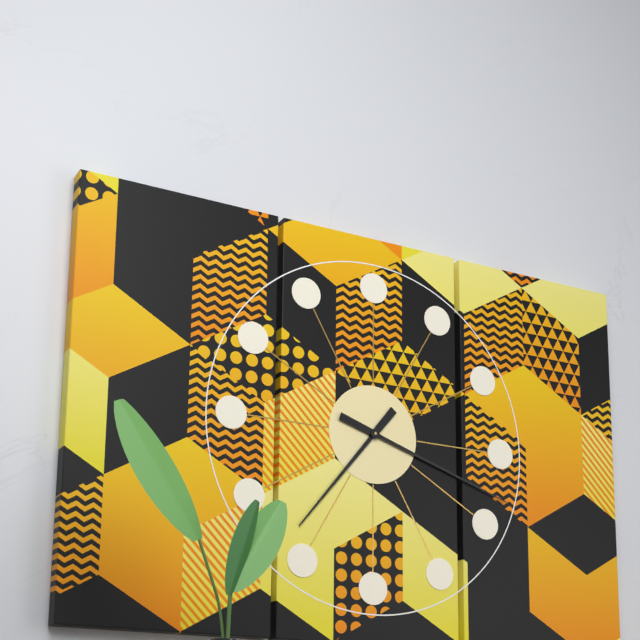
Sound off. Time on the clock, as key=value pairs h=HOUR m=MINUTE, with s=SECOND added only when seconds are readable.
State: h=7 m=18
